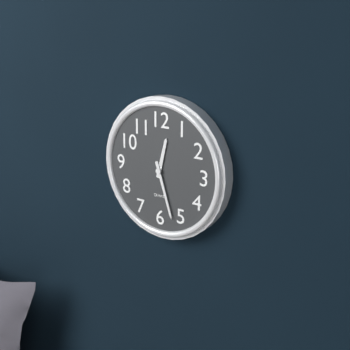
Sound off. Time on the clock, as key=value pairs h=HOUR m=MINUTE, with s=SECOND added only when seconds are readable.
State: h=12 m=27
